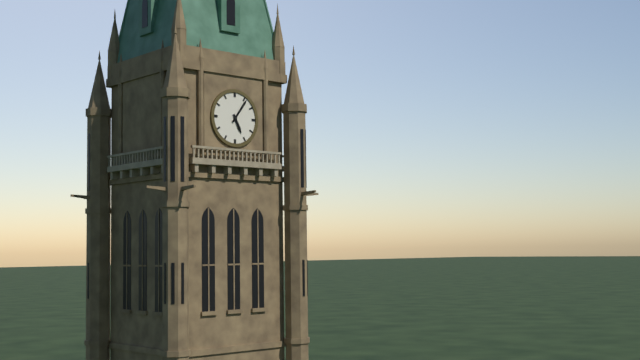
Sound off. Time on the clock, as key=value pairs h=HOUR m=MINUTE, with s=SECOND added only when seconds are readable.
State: h=5 m=6
